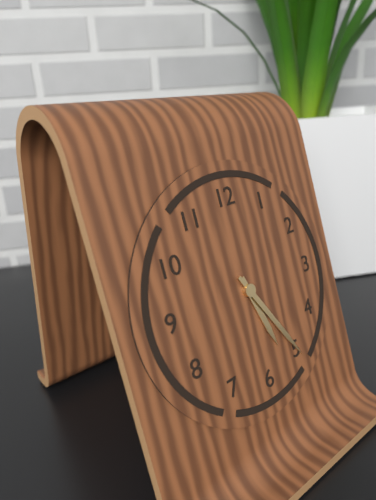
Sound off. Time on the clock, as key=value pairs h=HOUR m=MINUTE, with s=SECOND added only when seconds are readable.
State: h=5 m=25
